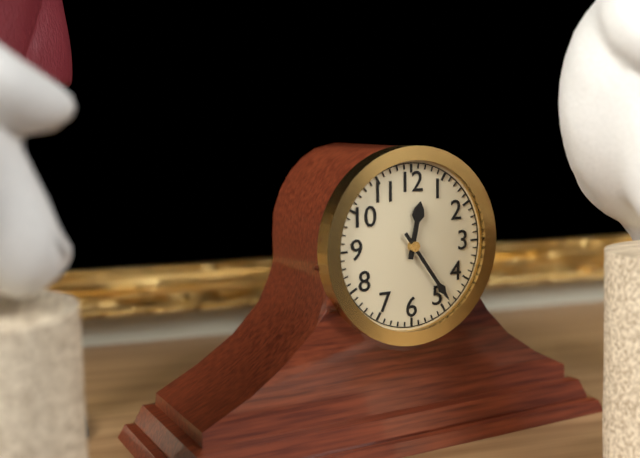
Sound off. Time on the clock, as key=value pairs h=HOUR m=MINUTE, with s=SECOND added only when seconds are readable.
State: h=12 m=24
